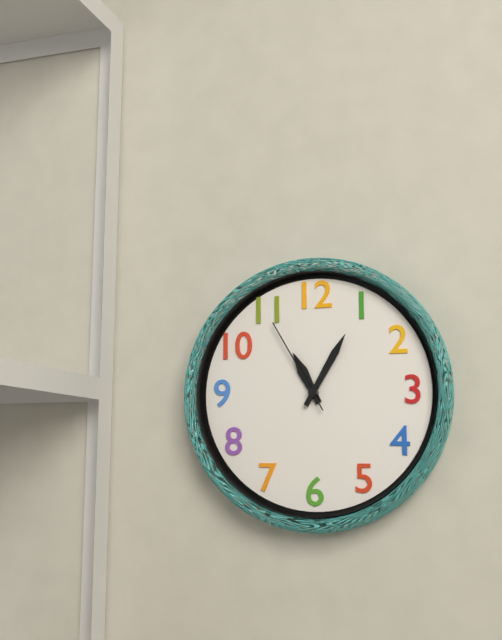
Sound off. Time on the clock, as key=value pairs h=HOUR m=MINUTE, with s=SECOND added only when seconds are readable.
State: h=11 m=5 s=55
